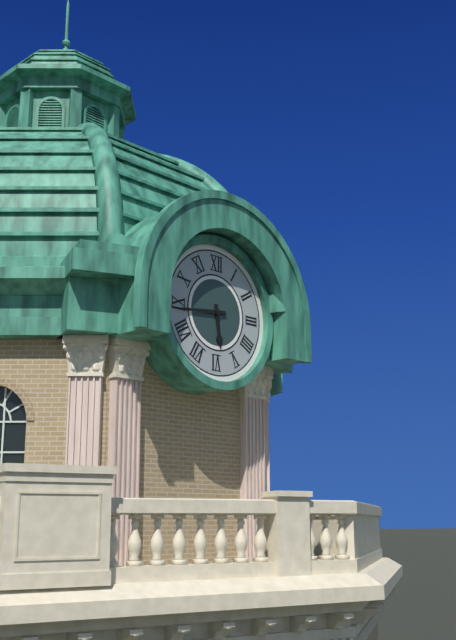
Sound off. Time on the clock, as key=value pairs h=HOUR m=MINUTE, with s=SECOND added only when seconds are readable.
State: h=5 m=44
